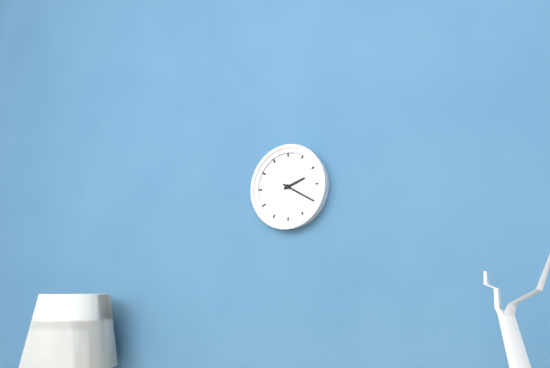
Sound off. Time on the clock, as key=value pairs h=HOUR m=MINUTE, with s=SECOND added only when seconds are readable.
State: h=2 m=20
